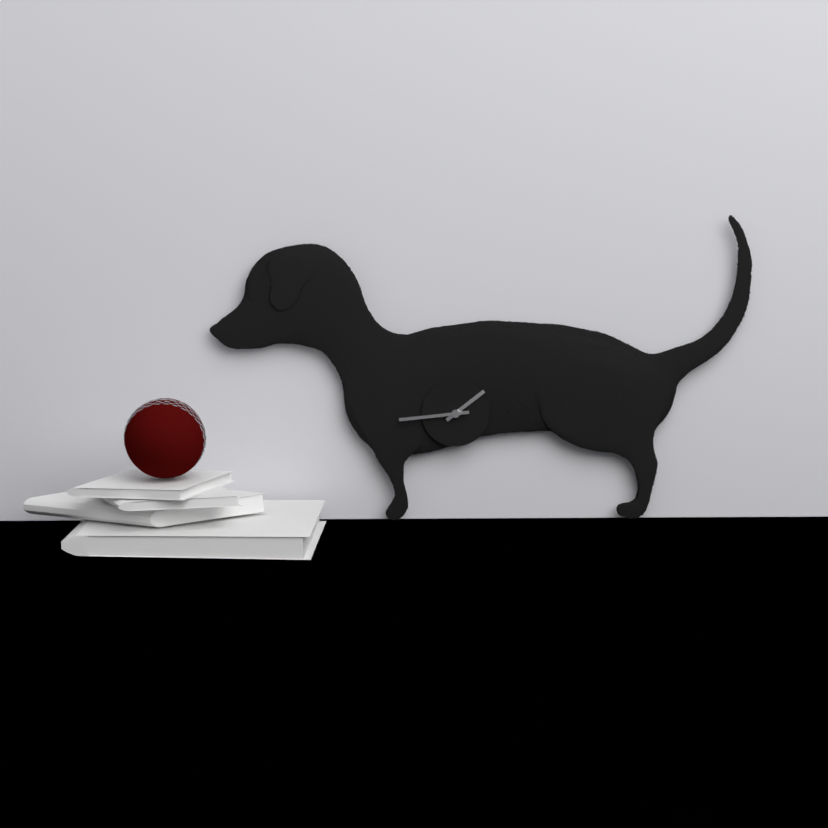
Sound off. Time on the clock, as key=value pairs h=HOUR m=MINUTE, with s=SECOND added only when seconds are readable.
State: h=1 m=44
